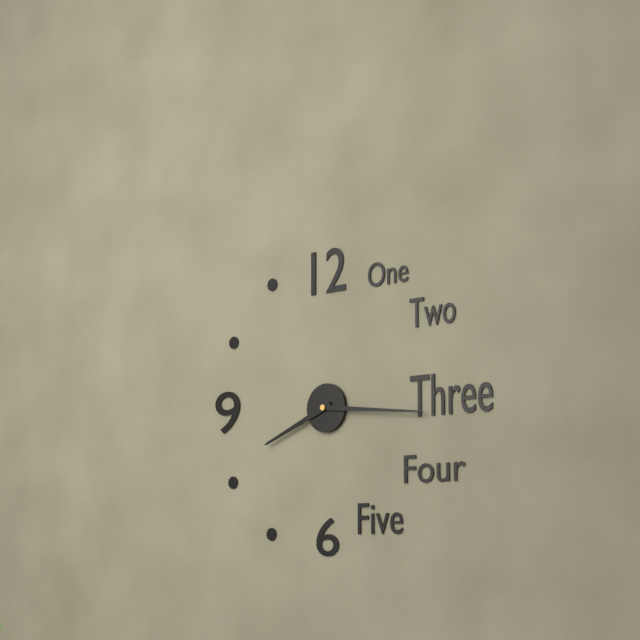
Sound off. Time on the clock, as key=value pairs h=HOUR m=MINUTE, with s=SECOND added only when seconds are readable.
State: h=8 m=16
